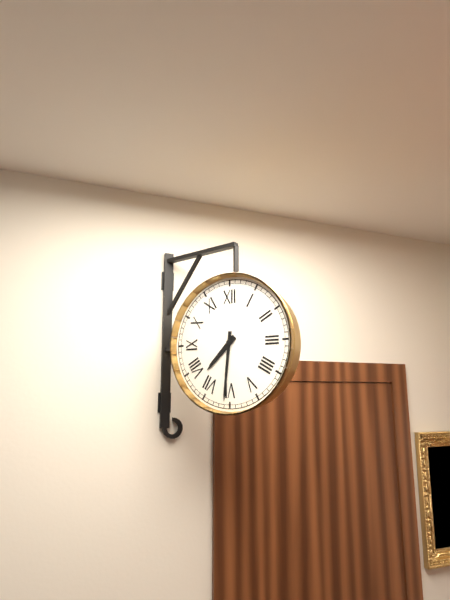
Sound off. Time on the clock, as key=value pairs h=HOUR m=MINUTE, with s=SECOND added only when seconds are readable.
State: h=7 m=31
